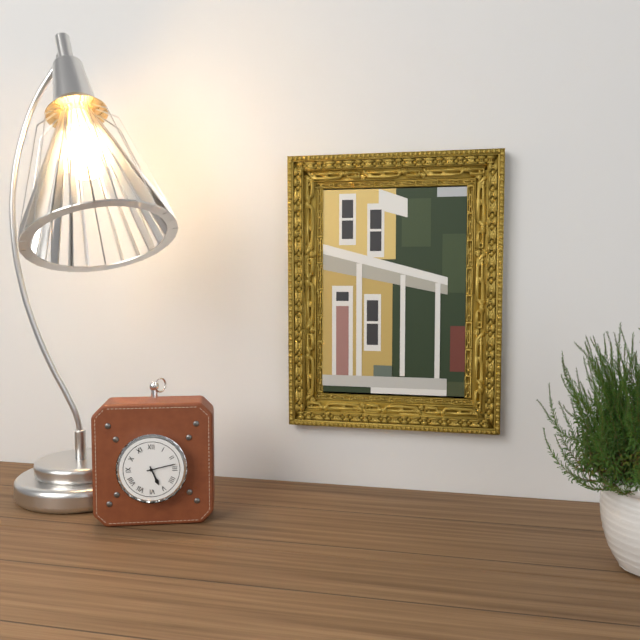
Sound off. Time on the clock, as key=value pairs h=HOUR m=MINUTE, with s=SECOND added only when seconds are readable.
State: h=5 m=13
